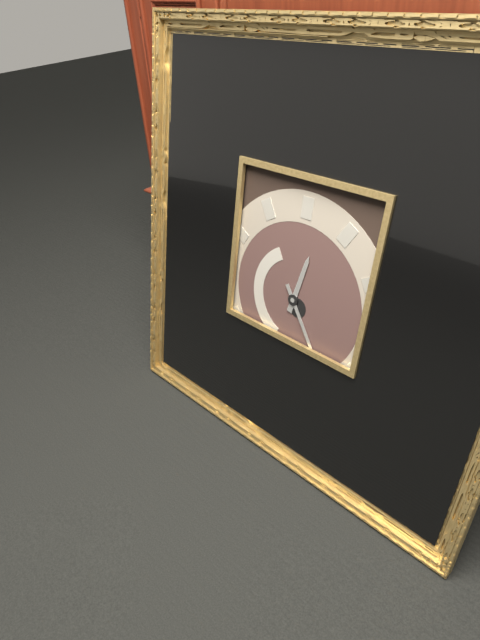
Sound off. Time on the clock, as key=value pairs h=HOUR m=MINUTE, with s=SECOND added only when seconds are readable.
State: h=12 m=24
